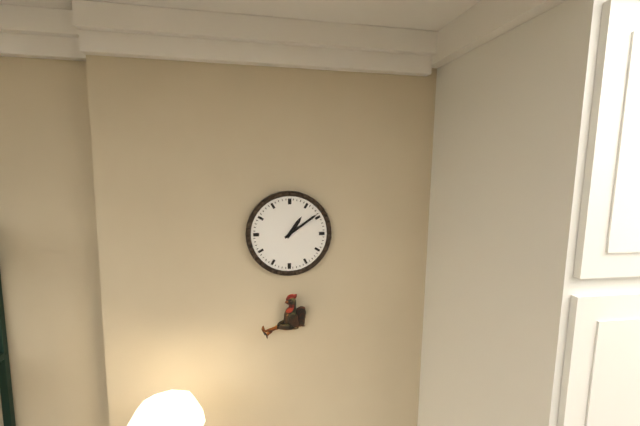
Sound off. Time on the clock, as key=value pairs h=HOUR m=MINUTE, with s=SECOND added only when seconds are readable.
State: h=1 m=9
